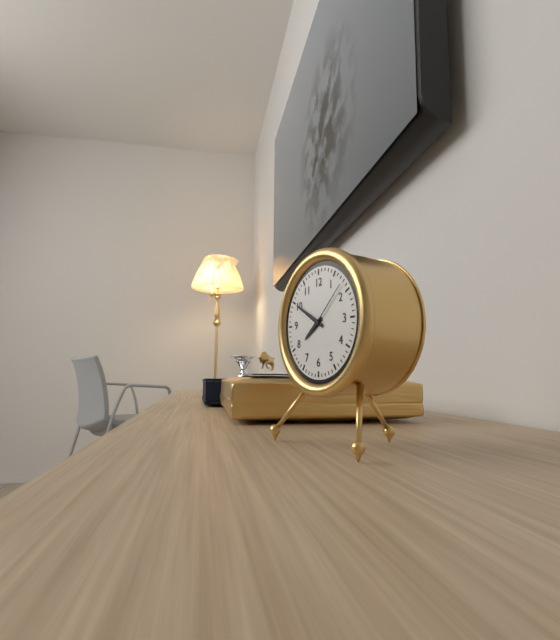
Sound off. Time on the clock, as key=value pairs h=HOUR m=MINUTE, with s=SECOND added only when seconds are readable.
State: h=7 m=50 s=8
